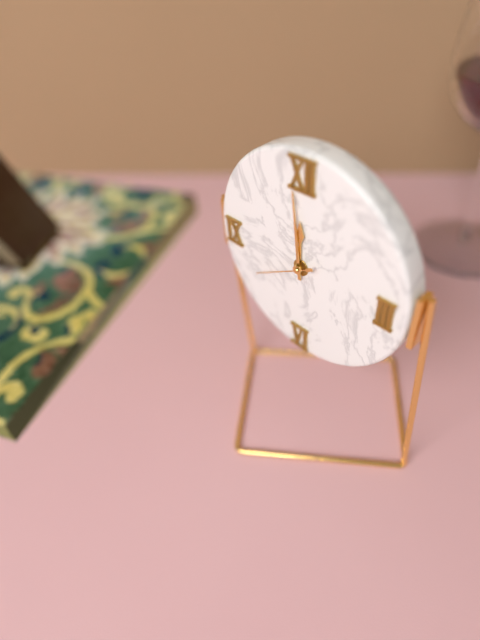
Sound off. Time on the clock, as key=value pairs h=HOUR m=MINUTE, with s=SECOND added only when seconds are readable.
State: h=11 m=59
